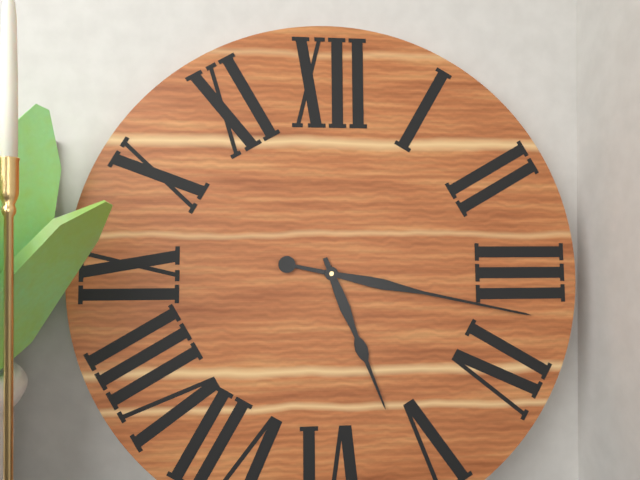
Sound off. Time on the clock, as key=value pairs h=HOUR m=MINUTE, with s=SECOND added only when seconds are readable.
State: h=5 m=17
